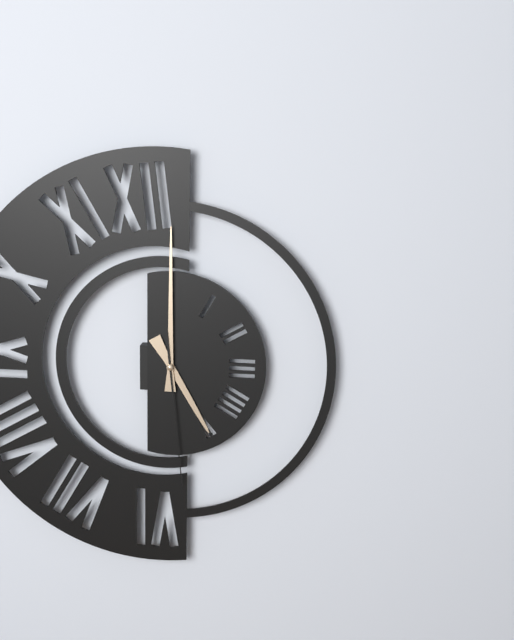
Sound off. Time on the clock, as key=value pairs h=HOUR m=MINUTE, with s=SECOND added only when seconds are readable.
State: h=5 m=0 s=29
